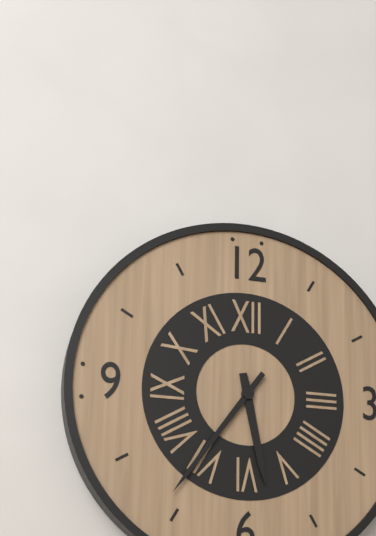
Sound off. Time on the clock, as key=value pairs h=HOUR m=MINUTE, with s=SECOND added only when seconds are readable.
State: h=5 m=36
